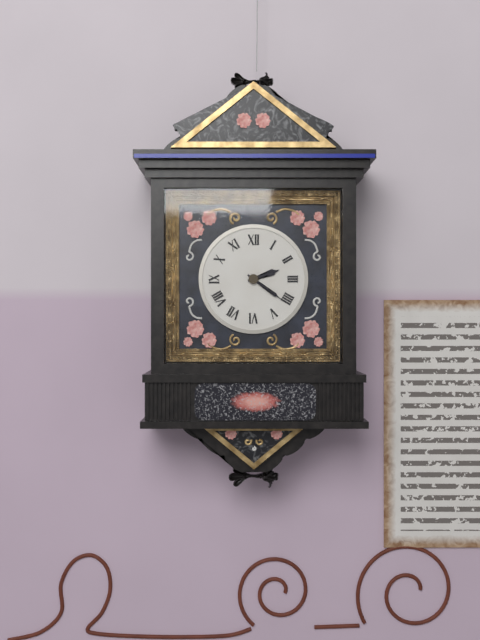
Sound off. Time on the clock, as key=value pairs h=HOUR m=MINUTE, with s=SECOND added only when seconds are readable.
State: h=2 m=21
